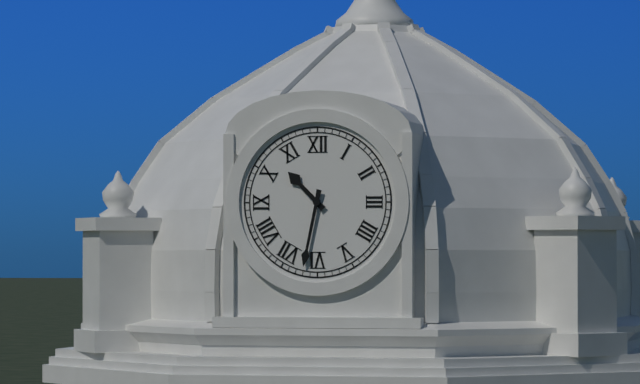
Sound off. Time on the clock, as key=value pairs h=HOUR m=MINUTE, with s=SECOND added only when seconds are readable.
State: h=10 m=32
